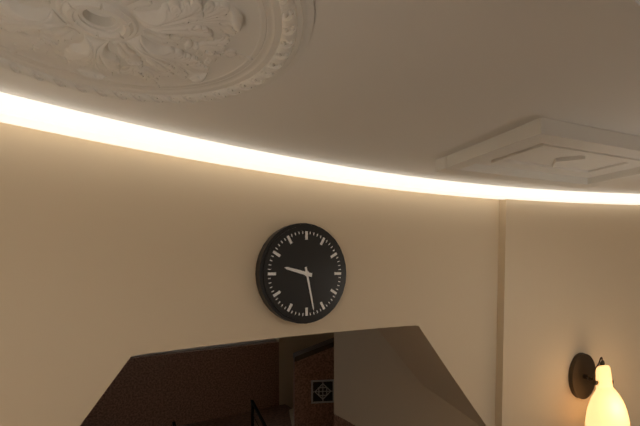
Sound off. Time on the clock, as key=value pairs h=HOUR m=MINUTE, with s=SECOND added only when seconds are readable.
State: h=9 m=28
